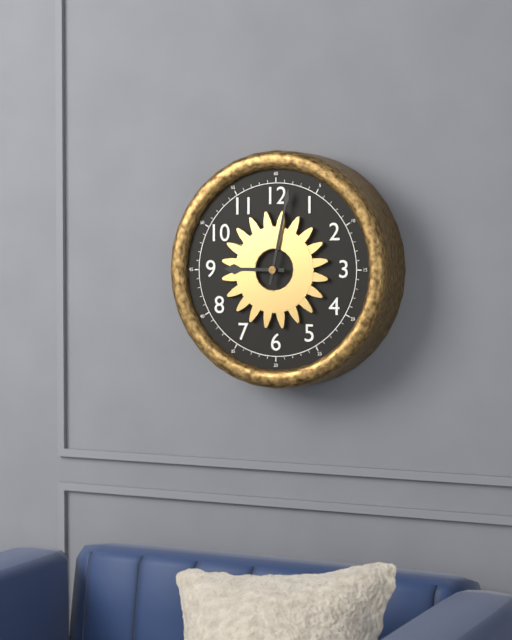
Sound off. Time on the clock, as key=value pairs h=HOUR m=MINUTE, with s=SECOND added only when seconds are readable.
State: h=9 m=2
